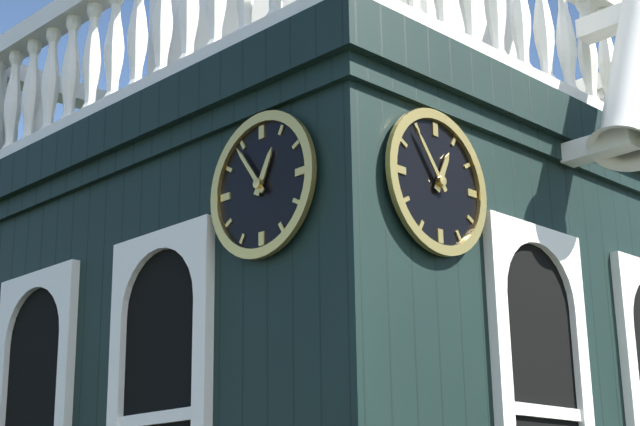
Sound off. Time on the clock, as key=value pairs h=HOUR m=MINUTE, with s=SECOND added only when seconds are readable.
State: h=12 m=54
